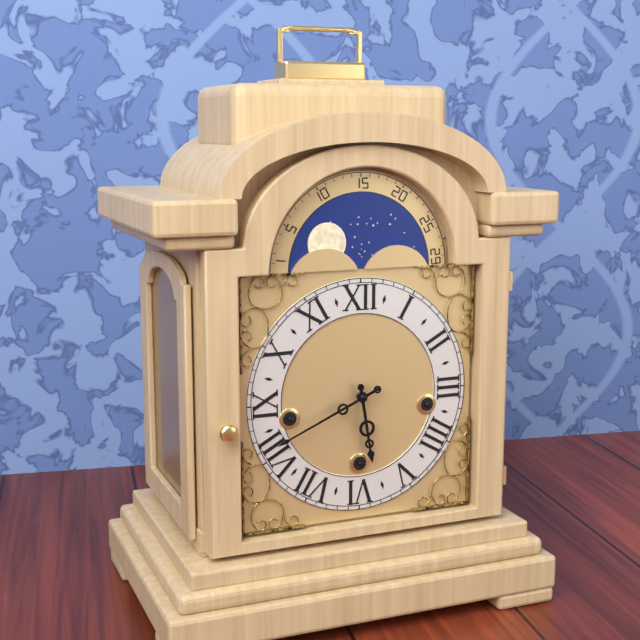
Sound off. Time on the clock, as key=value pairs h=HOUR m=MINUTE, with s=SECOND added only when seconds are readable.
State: h=5 m=41
